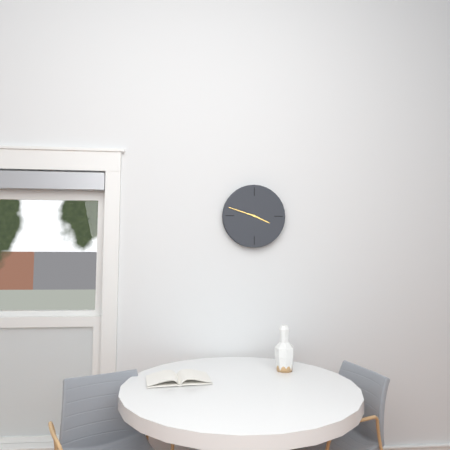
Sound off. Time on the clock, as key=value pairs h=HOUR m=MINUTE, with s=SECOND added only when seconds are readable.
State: h=3 m=48
